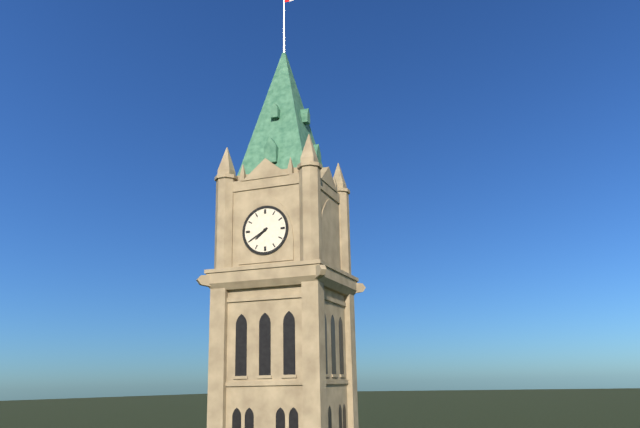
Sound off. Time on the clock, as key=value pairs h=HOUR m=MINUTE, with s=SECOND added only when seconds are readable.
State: h=7 m=40
